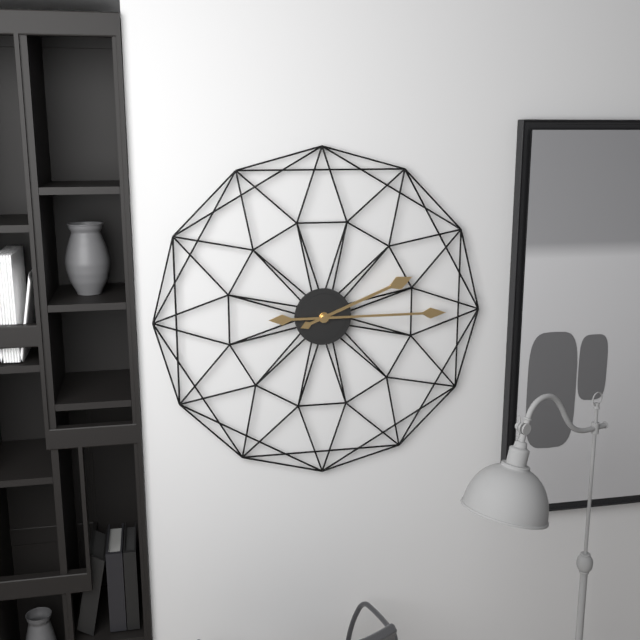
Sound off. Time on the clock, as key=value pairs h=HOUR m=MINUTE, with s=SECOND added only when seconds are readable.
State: h=2 m=15
